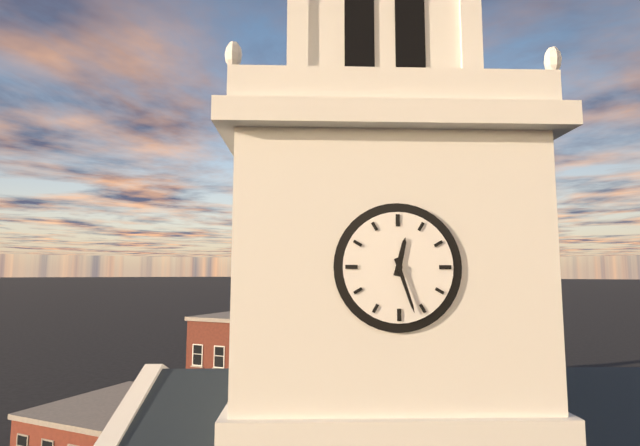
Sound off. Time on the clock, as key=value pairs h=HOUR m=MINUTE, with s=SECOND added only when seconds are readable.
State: h=12 m=27
